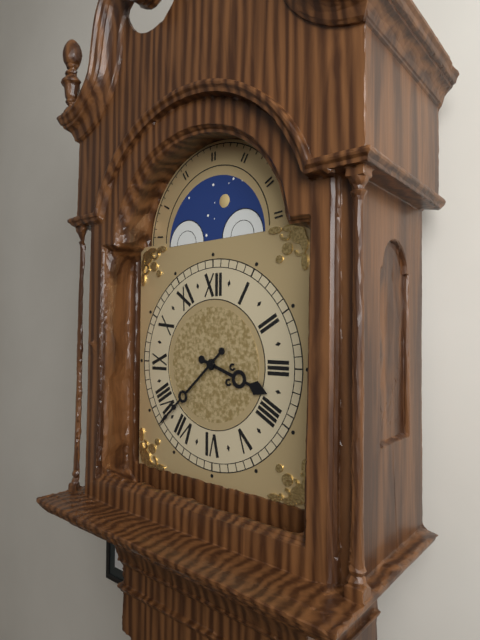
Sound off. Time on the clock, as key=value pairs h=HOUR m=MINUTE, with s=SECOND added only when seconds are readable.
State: h=3 m=38
